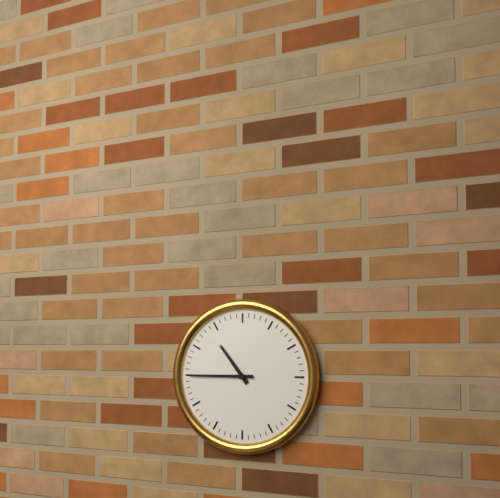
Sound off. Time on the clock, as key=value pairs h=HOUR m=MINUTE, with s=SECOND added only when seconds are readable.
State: h=10 m=45
